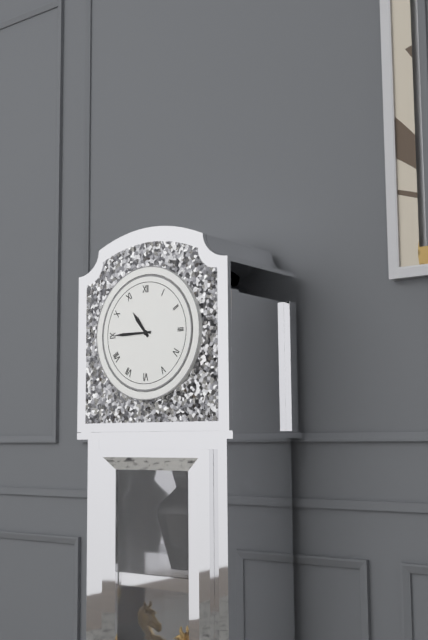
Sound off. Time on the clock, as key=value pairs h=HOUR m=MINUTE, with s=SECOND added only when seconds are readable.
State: h=10 m=45
